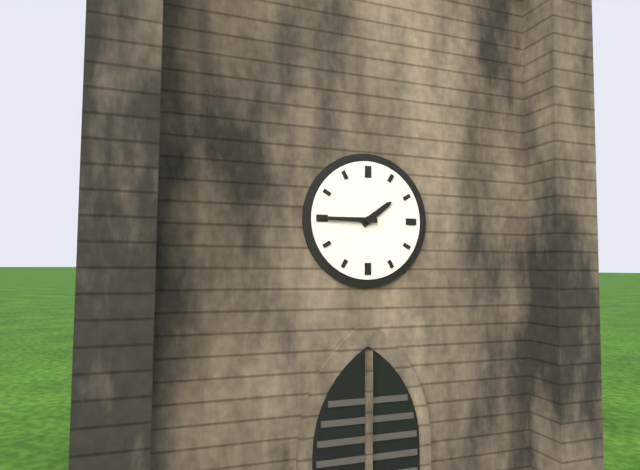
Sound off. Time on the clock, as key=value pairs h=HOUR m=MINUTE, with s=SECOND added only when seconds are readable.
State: h=1 m=45
